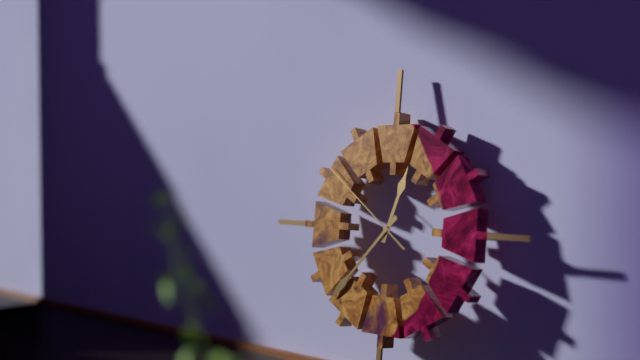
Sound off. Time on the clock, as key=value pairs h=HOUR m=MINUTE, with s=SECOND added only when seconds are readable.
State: h=12 m=37 s=51
